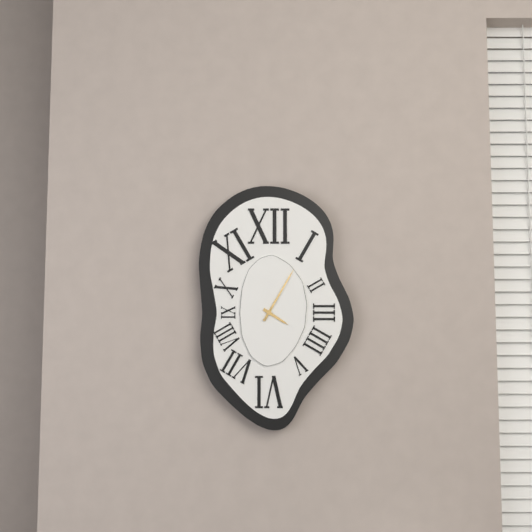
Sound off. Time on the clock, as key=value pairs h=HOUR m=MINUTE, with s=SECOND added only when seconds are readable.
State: h=4 m=5
